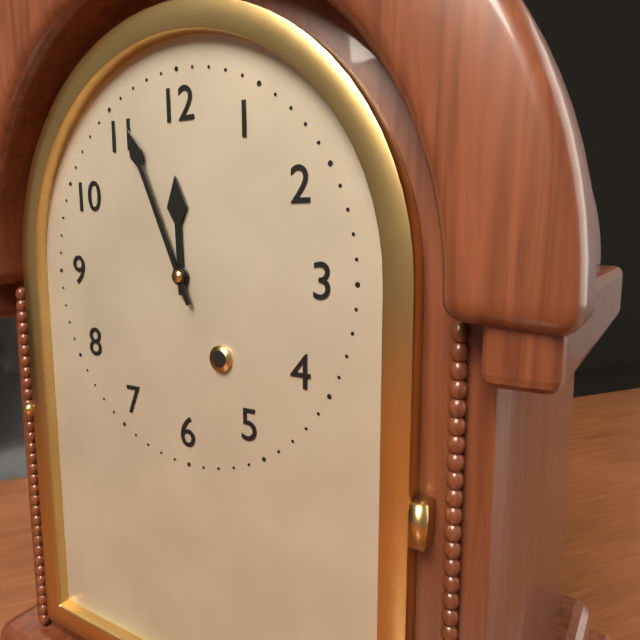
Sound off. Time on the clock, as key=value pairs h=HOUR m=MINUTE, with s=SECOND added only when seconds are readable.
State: h=11 m=56
